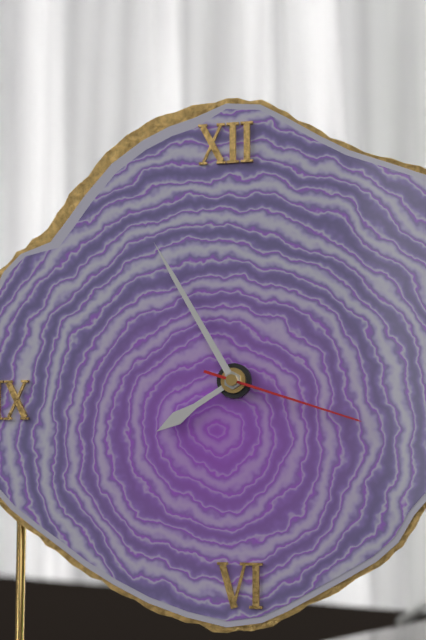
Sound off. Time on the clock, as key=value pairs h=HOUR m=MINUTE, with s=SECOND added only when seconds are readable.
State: h=7 m=55 s=18
